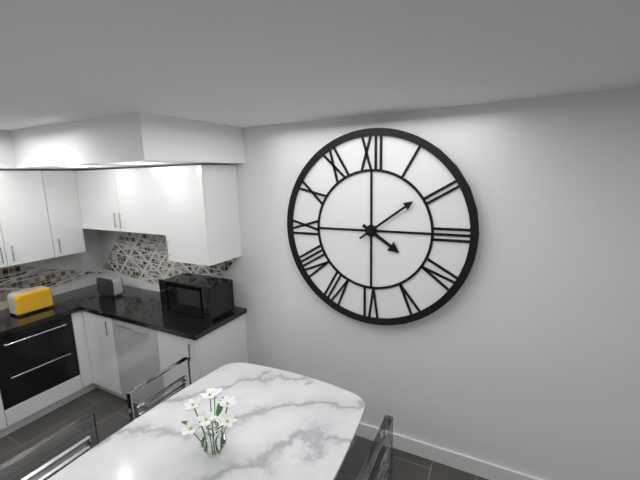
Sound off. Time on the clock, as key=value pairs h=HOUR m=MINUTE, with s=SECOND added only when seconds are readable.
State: h=4 m=9
